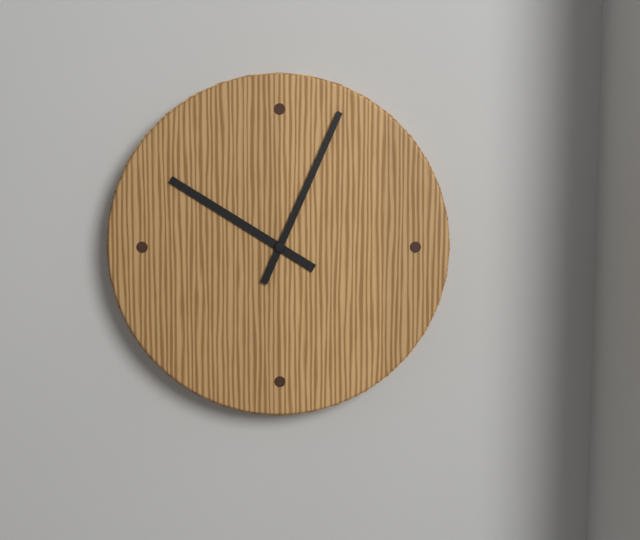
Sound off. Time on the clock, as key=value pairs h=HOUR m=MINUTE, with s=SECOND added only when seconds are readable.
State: h=10 m=4
